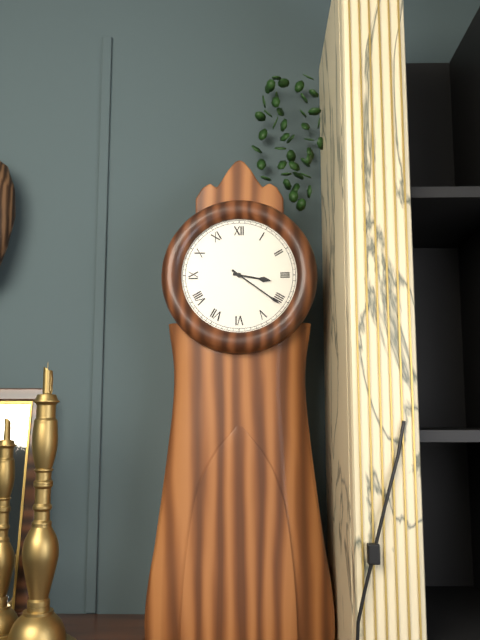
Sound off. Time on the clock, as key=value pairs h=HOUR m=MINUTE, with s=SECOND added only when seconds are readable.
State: h=3 m=21
